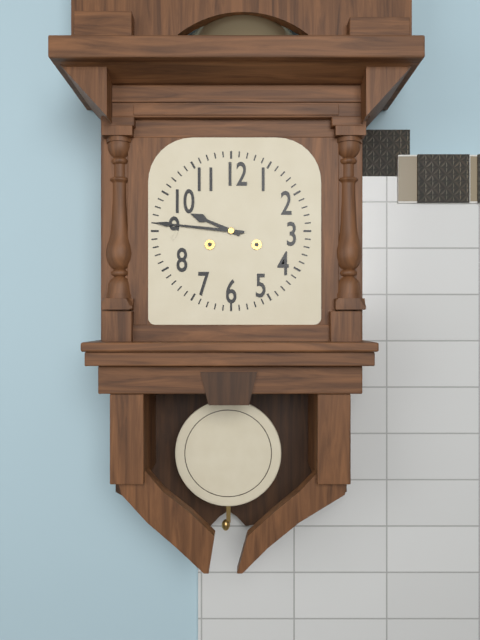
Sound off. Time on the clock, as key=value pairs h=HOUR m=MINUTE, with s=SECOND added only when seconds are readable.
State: h=9 m=46
